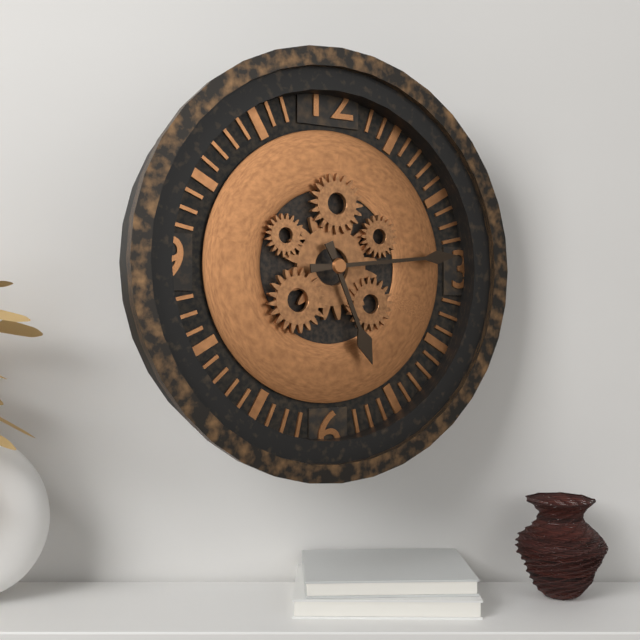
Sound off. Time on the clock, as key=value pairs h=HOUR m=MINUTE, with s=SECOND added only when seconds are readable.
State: h=5 m=14
